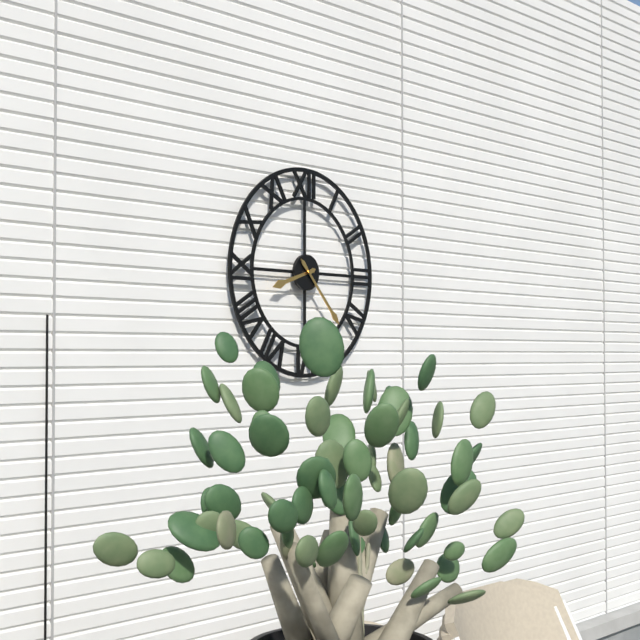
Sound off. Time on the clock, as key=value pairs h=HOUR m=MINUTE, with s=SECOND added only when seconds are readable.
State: h=8 m=23
